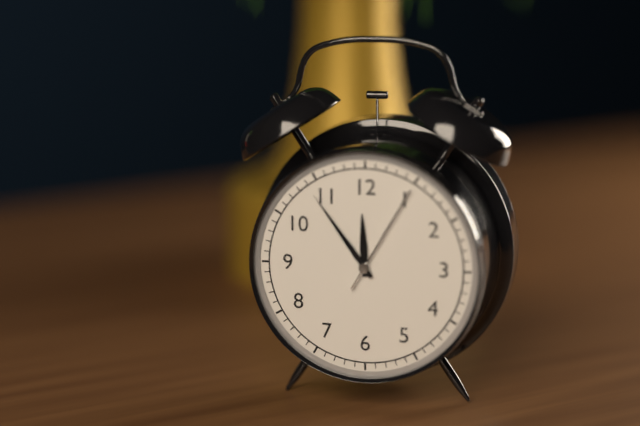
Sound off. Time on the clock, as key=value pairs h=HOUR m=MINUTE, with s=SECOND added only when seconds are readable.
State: h=11 m=54 s=5
